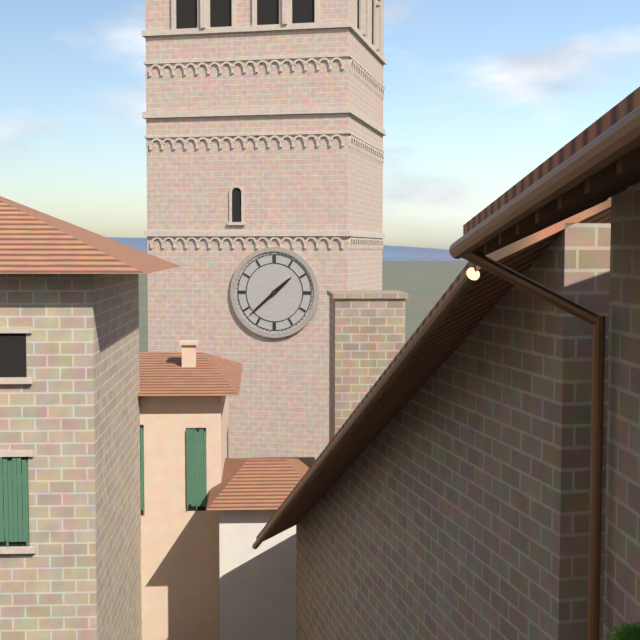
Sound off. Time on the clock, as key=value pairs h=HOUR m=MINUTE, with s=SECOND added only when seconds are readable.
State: h=1 m=38
